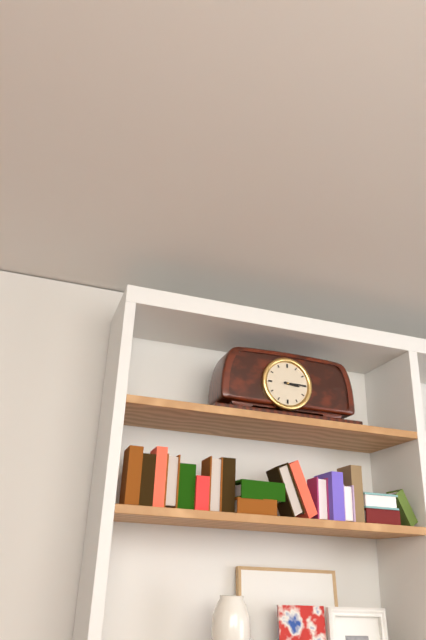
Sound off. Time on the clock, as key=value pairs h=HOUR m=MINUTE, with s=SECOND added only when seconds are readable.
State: h=3 m=15
